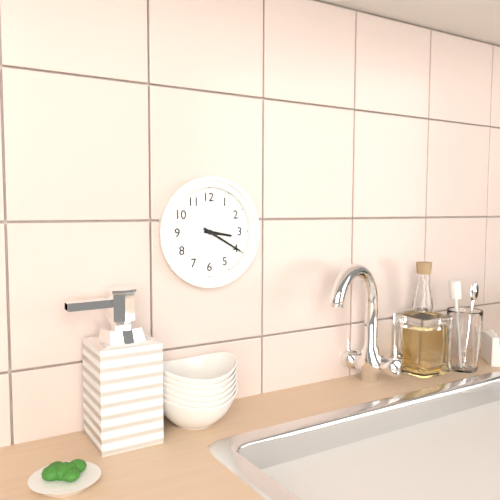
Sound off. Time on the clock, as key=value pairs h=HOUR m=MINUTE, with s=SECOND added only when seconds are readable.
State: h=3 m=20
